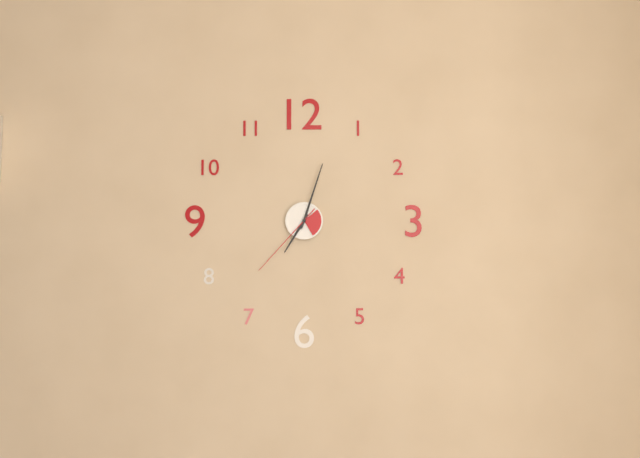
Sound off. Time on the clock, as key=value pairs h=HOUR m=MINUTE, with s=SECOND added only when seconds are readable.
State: h=7 m=3 s=37
